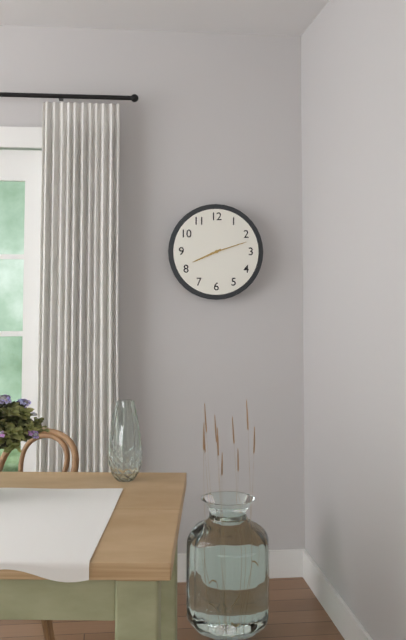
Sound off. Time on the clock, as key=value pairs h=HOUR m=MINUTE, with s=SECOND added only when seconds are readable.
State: h=8 m=12
